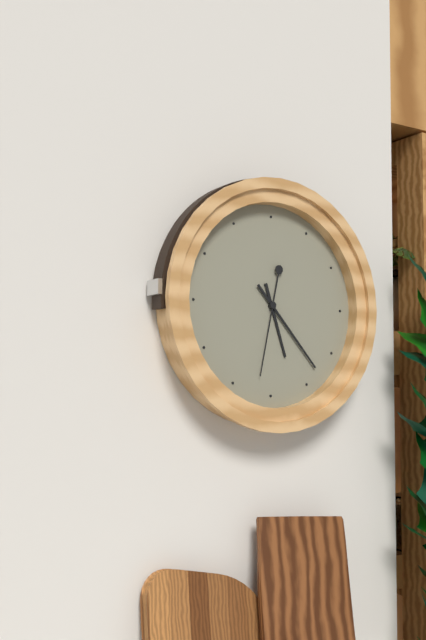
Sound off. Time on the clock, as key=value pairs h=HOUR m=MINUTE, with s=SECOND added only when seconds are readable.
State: h=5 m=23 s=32
